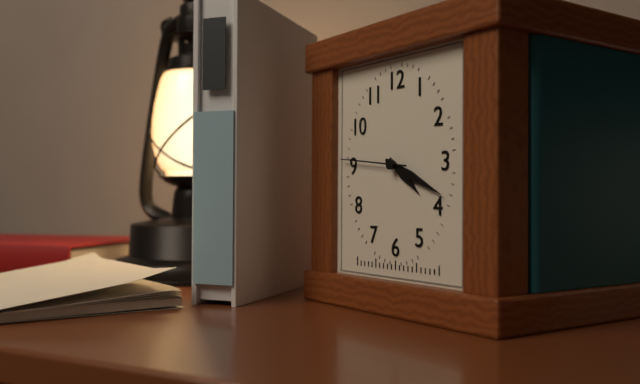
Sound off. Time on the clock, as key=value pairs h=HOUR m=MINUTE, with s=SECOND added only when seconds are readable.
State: h=4 m=19 s=46
